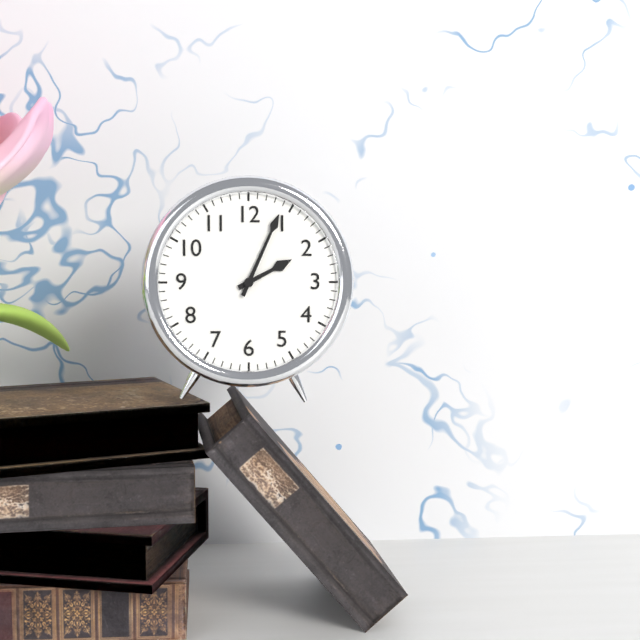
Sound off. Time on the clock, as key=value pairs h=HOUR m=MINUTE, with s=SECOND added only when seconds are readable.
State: h=2 m=4
